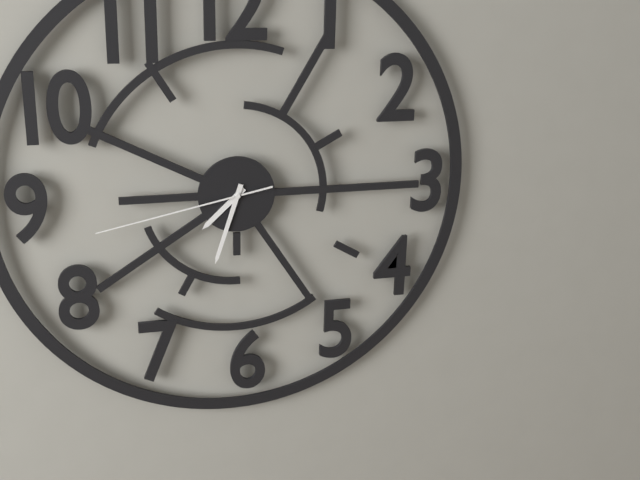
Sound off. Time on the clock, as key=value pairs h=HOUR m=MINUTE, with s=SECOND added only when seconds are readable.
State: h=7 m=33 s=43
